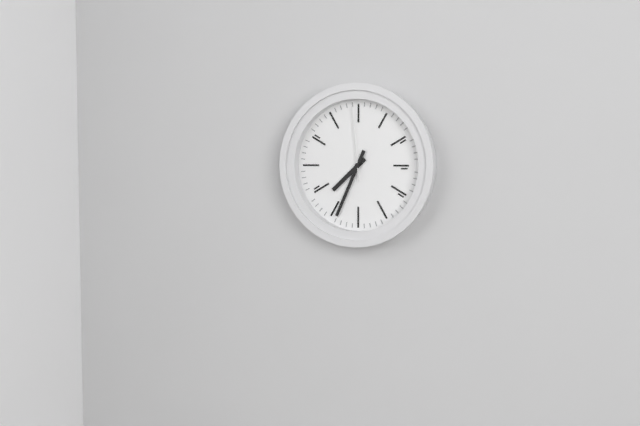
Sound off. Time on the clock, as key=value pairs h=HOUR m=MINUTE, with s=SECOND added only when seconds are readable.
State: h=7 m=34 s=59
